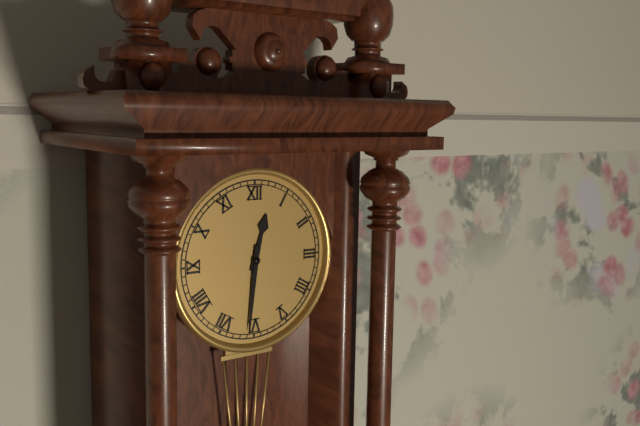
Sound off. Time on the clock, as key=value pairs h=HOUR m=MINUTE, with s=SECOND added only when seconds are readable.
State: h=12 m=31
